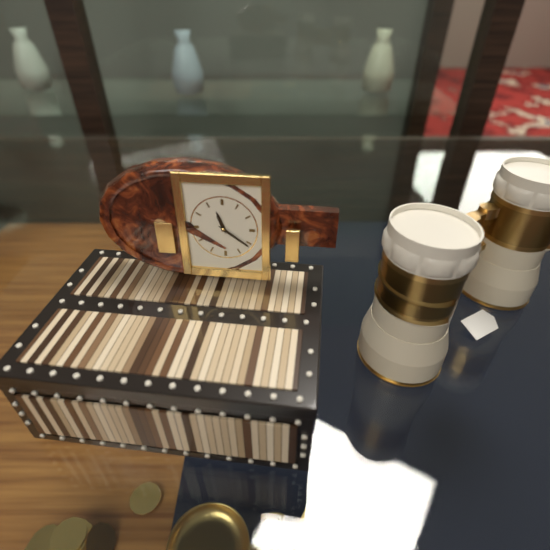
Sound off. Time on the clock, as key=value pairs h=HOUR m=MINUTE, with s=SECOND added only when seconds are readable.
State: h=11 m=21
